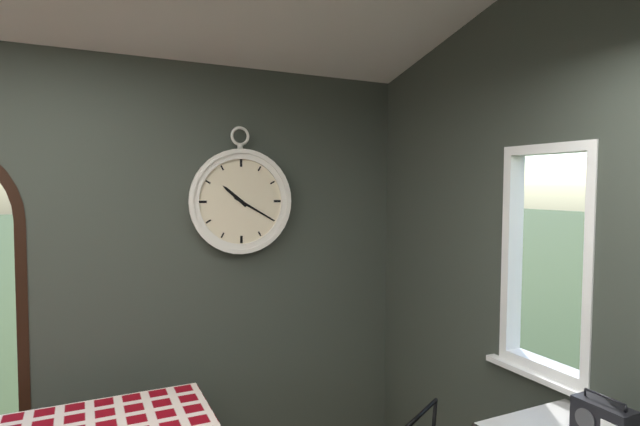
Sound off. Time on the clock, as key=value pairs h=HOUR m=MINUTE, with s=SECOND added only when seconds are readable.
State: h=10 m=20
